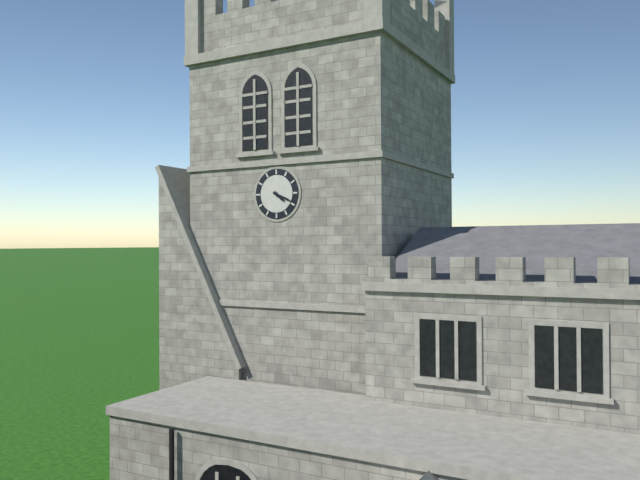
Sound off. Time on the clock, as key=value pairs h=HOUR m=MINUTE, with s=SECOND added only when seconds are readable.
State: h=4 m=19
